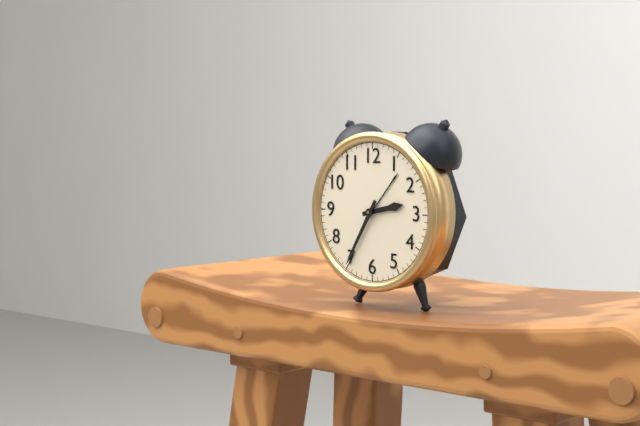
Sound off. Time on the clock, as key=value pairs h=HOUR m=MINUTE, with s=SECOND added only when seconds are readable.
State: h=2 m=35
